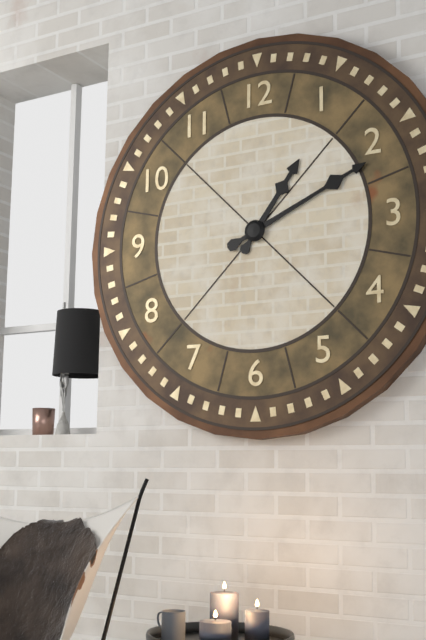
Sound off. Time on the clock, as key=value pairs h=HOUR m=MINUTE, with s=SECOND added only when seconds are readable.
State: h=1 m=11
